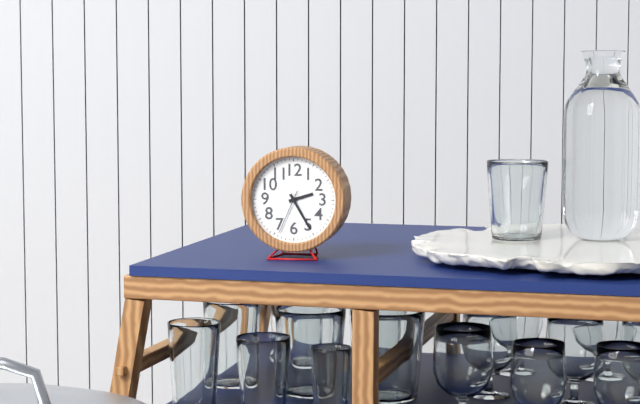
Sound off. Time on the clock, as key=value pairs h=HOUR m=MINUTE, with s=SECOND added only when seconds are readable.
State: h=2 m=25
